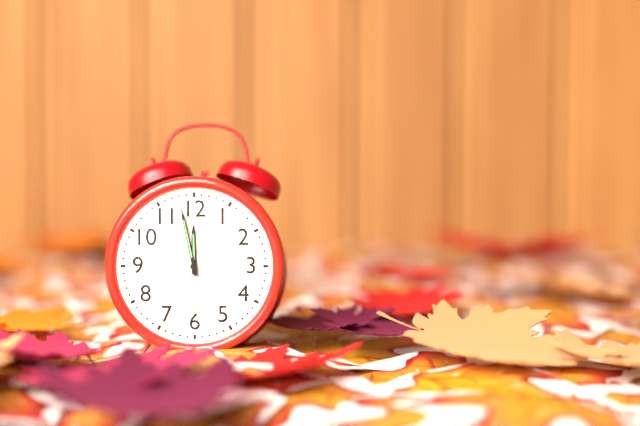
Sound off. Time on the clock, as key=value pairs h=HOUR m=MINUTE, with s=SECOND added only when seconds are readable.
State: h=11 m=58
